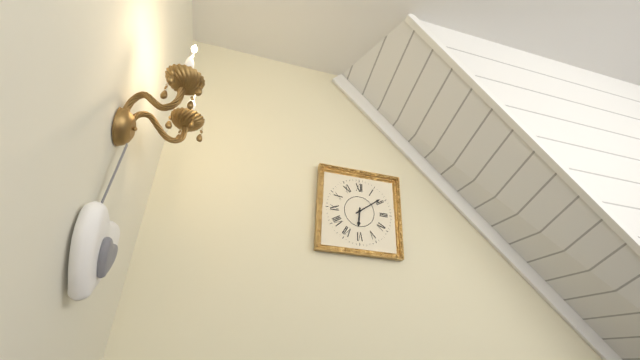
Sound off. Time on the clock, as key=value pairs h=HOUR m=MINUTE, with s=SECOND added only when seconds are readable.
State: h=6 m=9
